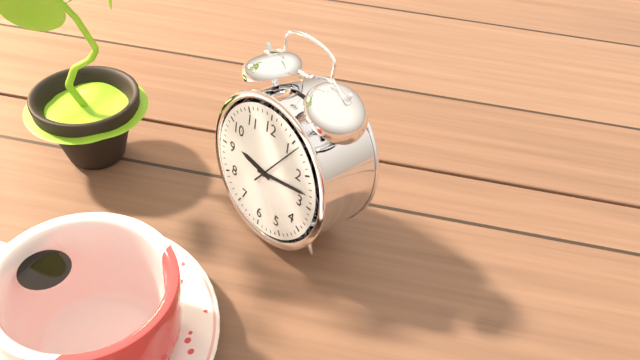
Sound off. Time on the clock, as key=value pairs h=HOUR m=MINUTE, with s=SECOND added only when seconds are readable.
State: h=9 m=13 s=6
